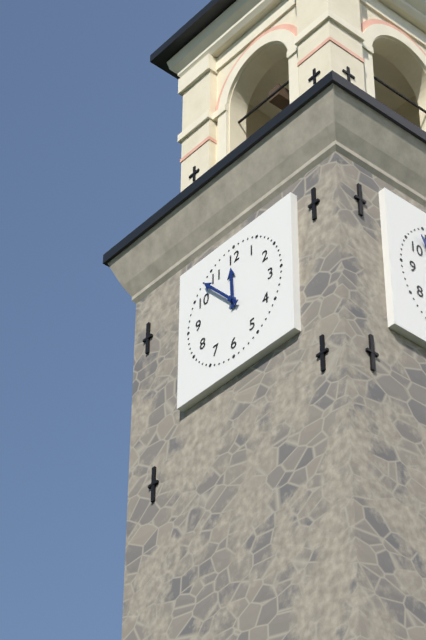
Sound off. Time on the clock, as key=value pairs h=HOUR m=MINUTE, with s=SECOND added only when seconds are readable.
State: h=11 m=53
